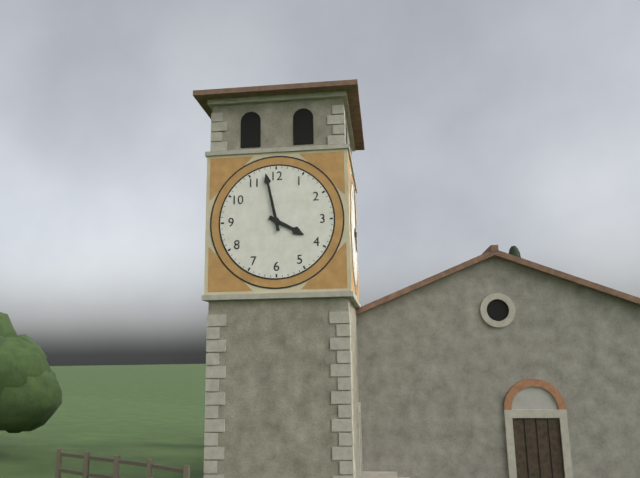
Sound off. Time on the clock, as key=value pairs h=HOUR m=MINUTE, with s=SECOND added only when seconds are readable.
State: h=3 m=58
